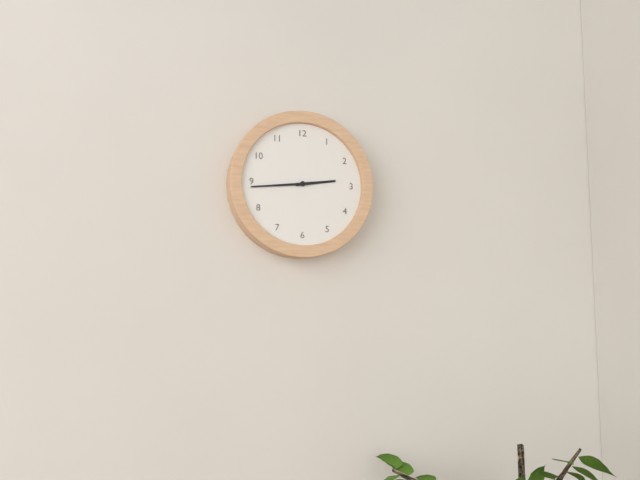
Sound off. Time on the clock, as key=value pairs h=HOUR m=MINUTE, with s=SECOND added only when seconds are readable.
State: h=2 m=44
